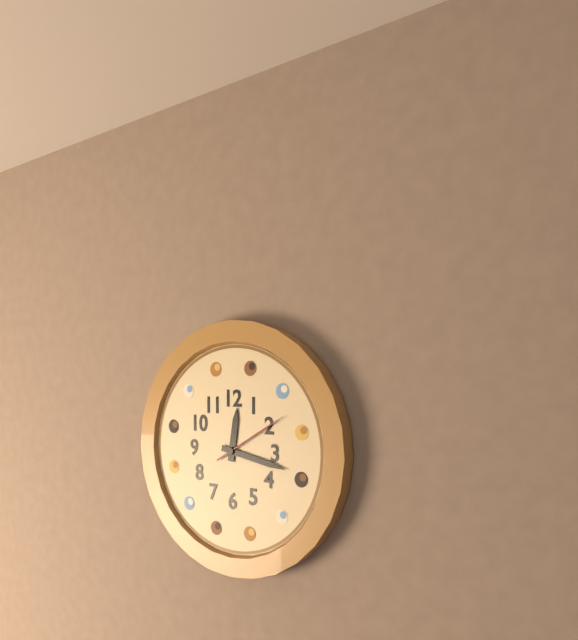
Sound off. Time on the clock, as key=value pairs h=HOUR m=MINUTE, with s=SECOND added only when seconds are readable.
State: h=12 m=17 s=10
